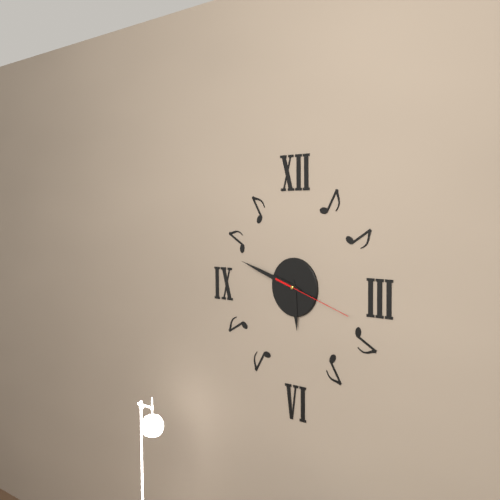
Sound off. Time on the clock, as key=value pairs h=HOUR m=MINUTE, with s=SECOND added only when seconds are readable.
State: h=5 m=48 s=18
